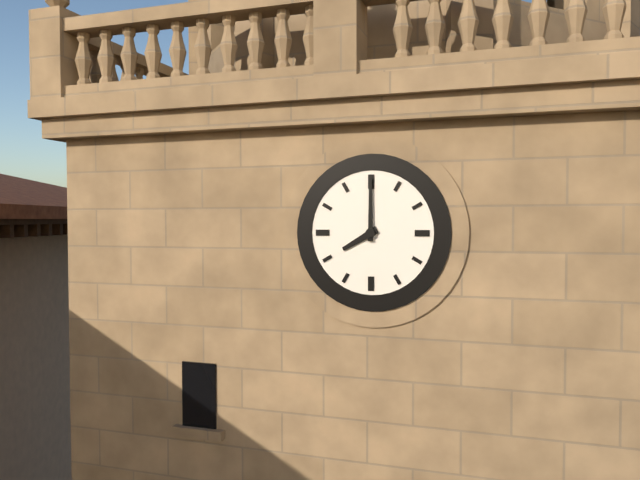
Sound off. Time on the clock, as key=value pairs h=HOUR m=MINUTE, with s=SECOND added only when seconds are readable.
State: h=8 m=0
